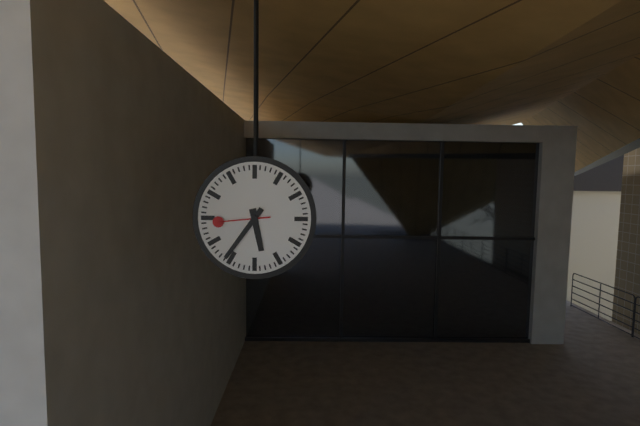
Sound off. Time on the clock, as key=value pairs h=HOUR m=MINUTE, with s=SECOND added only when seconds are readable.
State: h=5 m=36 s=44
